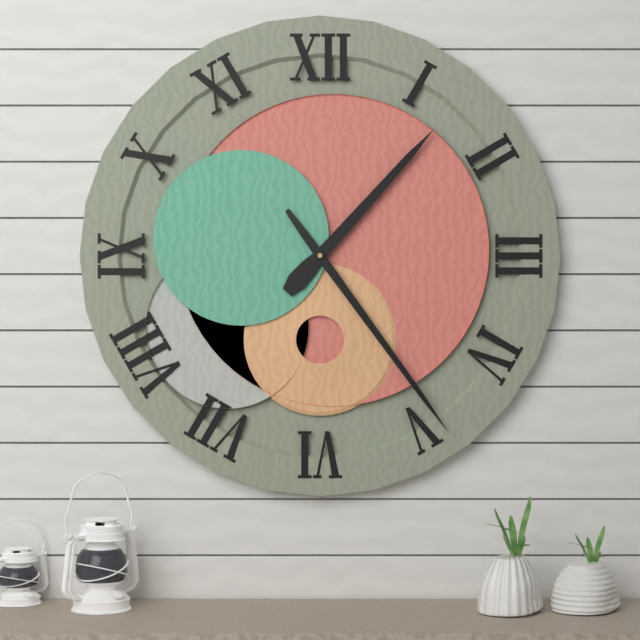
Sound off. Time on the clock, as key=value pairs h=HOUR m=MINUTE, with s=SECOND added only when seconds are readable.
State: h=1 m=24
